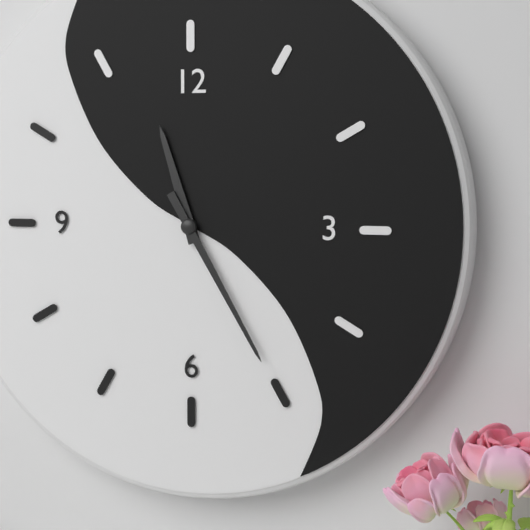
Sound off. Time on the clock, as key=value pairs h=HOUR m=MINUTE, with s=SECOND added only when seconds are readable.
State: h=11 m=25
